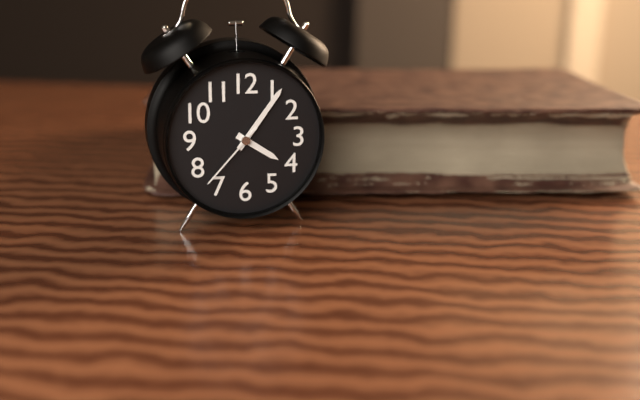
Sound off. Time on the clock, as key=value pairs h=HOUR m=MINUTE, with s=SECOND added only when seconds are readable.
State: h=4 m=6 s=37
